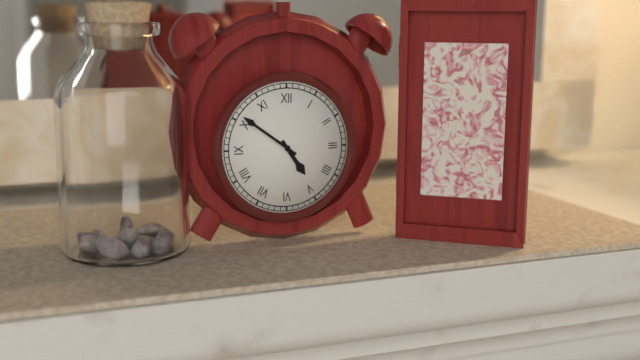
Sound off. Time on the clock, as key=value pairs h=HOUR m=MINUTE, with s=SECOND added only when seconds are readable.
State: h=4 m=51
